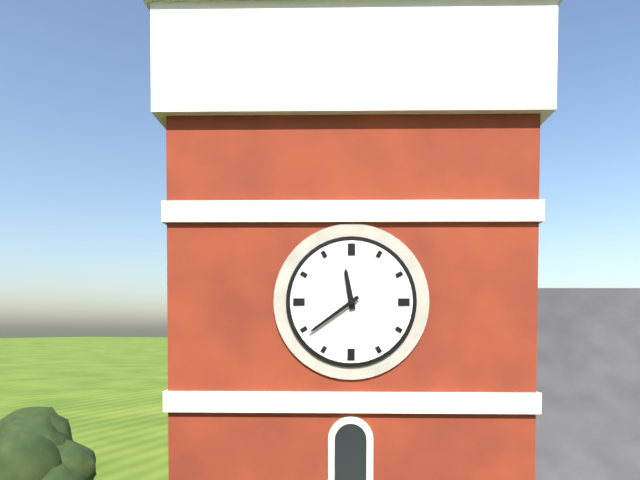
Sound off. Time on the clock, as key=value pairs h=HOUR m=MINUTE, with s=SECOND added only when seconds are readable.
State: h=11 m=39
